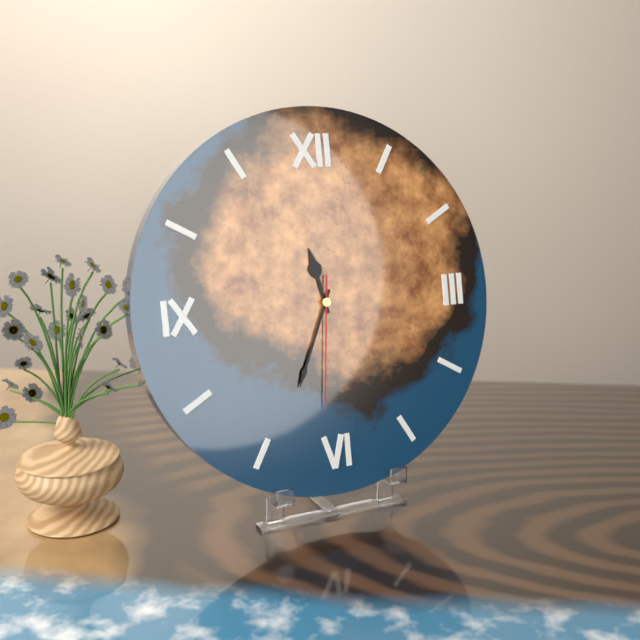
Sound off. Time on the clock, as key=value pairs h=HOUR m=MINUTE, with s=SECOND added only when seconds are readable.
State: h=11 m=34 s=31
